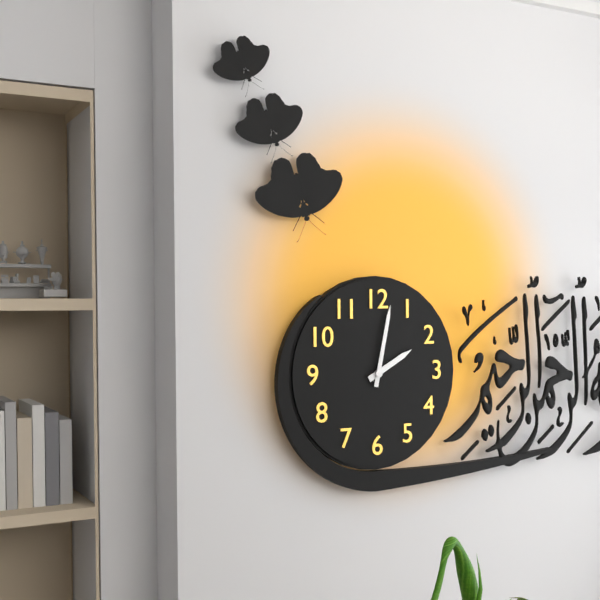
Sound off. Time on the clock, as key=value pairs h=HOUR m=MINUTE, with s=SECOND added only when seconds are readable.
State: h=2 m=2
